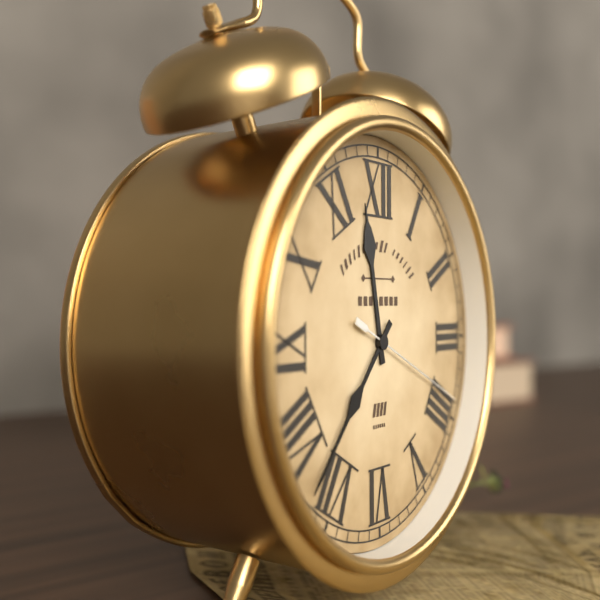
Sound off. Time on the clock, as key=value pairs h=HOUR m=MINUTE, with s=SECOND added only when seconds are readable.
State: h=11 m=37 s=19
